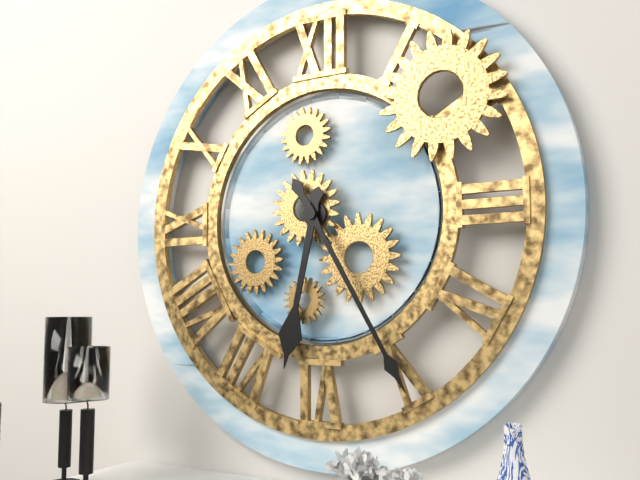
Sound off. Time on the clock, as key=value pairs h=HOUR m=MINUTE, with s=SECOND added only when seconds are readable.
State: h=6 m=25
